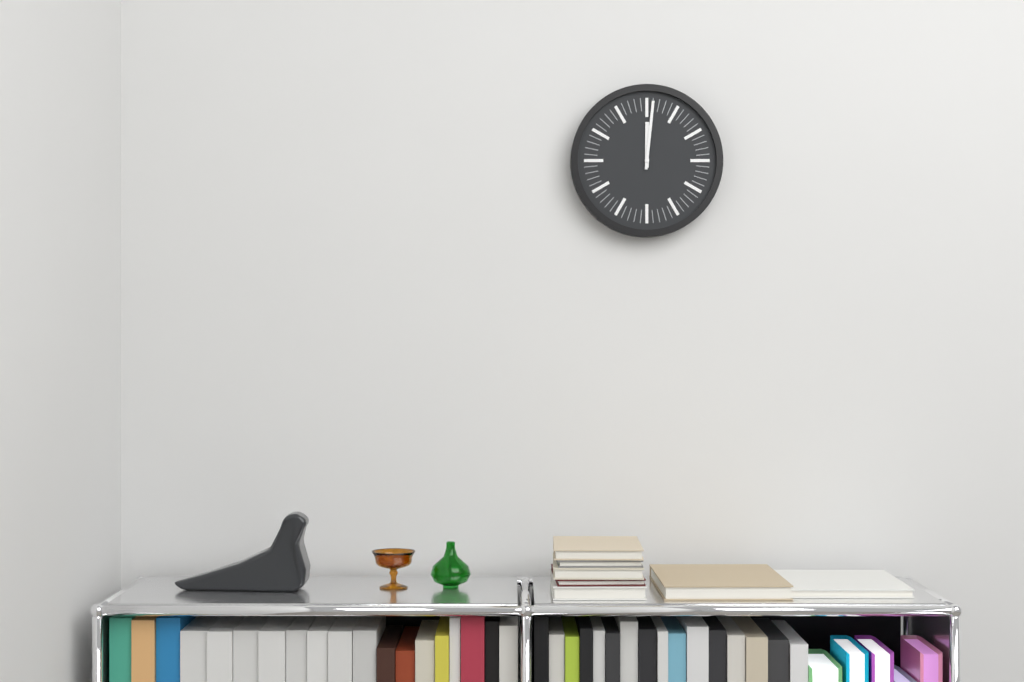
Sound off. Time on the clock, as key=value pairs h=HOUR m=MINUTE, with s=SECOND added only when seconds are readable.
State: h=12 m=1
